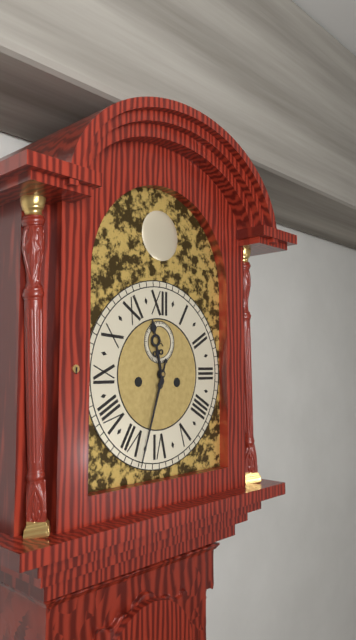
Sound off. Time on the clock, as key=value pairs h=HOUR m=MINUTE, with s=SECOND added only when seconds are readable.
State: h=11 m=33
